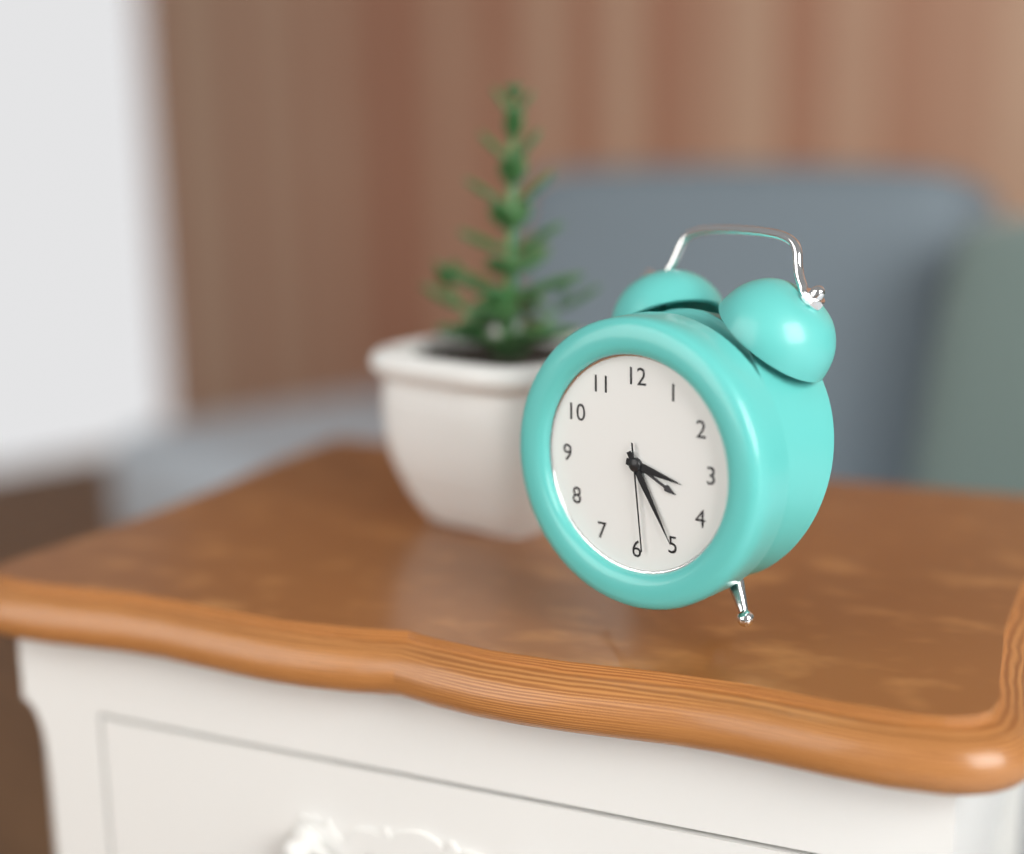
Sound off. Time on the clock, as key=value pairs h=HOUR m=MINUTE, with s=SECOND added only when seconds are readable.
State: h=3 m=25 s=29
